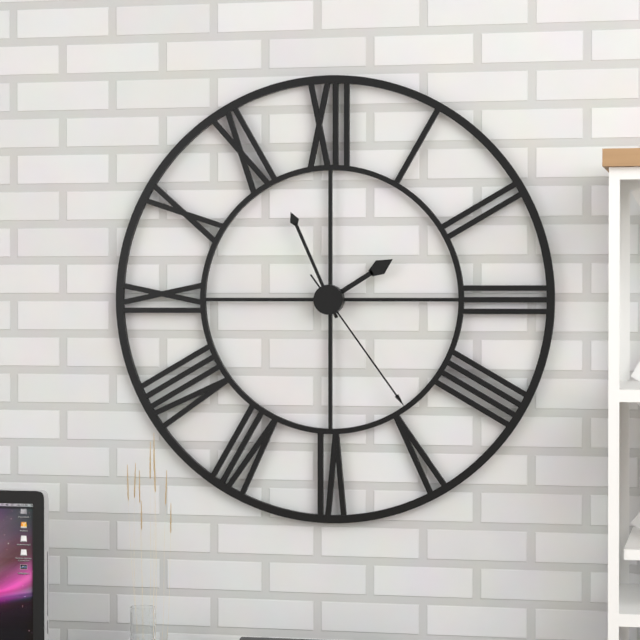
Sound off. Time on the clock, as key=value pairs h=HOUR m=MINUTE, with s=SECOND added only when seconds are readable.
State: h=1 m=56 s=24
